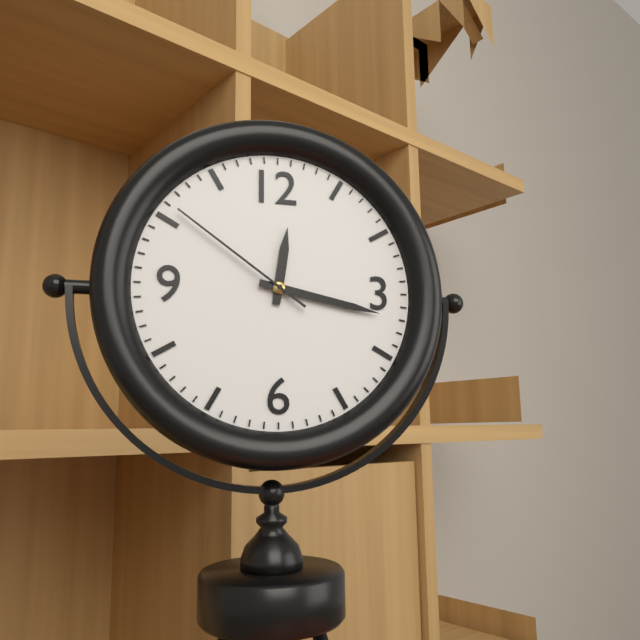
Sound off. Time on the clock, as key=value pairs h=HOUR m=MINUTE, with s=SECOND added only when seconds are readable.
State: h=12 m=17 s=51
